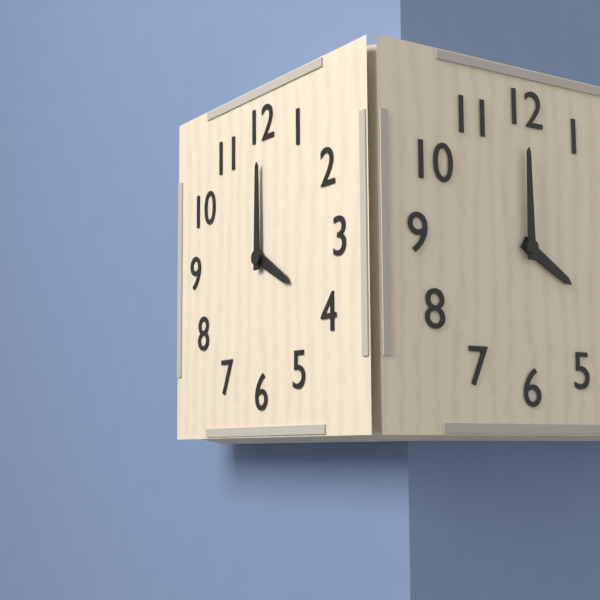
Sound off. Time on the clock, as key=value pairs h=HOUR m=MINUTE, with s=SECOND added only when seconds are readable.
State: h=4 m=0
